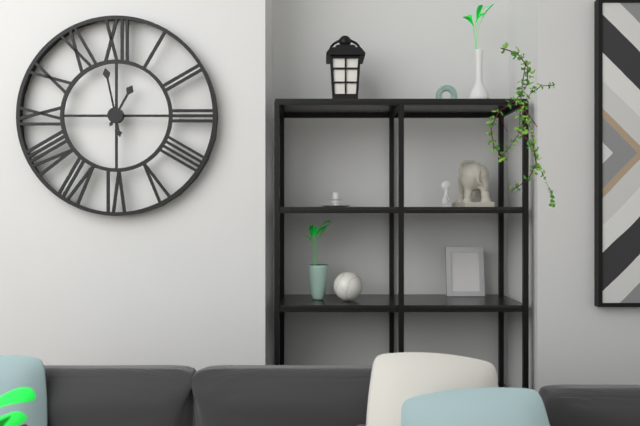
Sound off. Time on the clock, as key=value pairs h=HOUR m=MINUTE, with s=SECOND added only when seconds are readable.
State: h=12 m=58
